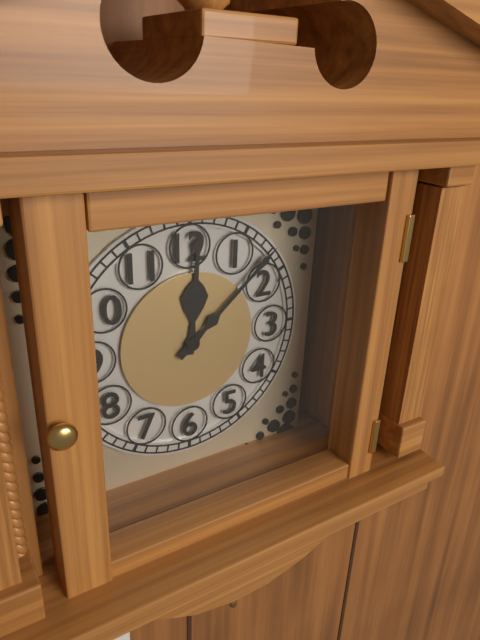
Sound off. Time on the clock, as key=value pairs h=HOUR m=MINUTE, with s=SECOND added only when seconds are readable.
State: h=12 m=8
